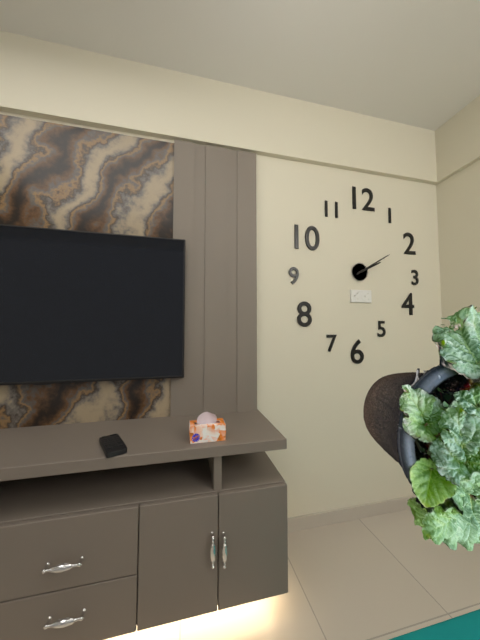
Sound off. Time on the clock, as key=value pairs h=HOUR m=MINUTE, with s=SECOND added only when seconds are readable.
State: h=2 m=10
